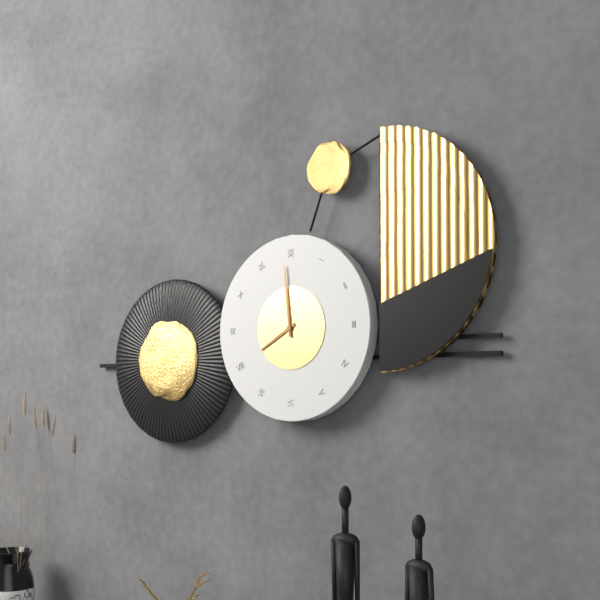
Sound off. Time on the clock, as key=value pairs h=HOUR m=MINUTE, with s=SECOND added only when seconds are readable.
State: h=7 m=59
